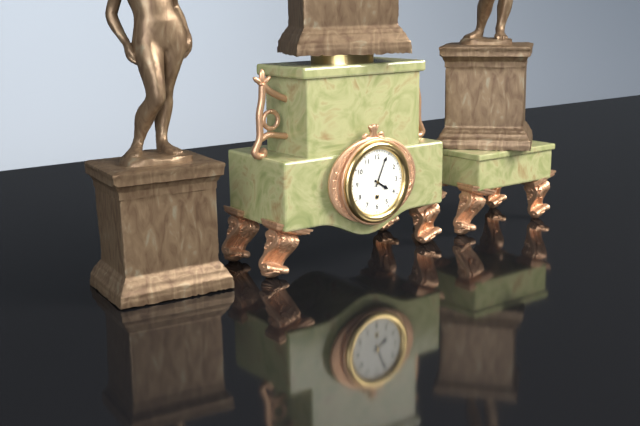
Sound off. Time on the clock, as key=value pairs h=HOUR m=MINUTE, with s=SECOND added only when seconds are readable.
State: h=4 m=4
